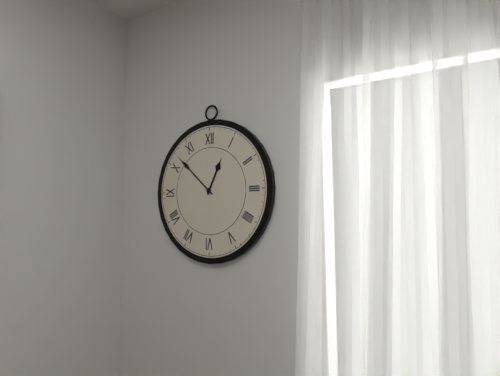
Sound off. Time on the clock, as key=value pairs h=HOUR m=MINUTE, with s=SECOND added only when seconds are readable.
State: h=12 m=52
